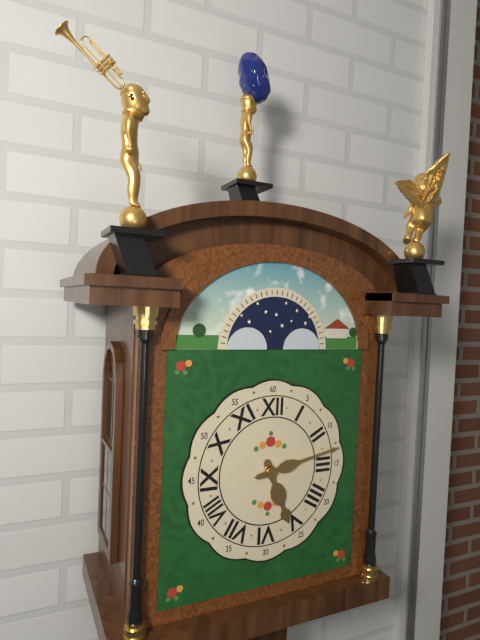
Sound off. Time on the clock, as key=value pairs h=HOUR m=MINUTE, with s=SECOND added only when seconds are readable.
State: h=5 m=13
